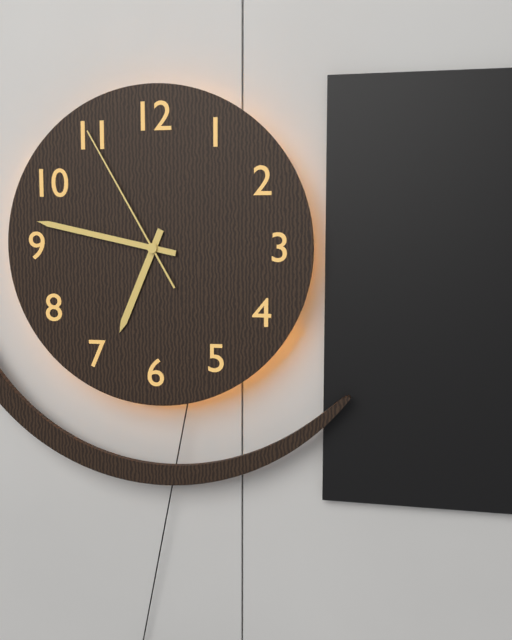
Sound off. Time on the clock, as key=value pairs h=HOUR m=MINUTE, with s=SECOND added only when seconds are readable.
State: h=6 m=47 s=55
